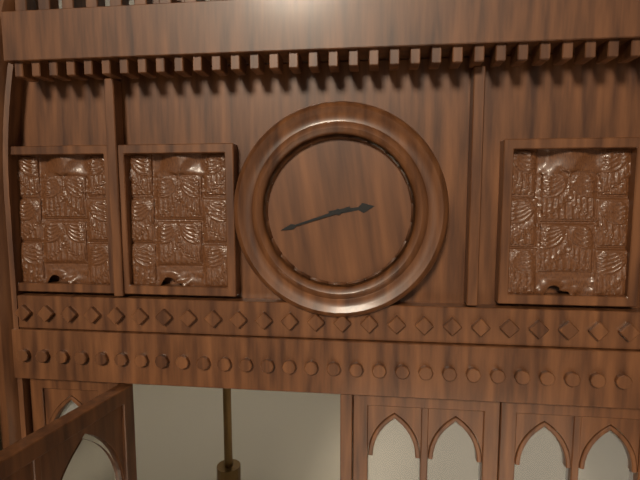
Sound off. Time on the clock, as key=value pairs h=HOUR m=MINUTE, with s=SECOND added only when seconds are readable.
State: h=2 m=42
